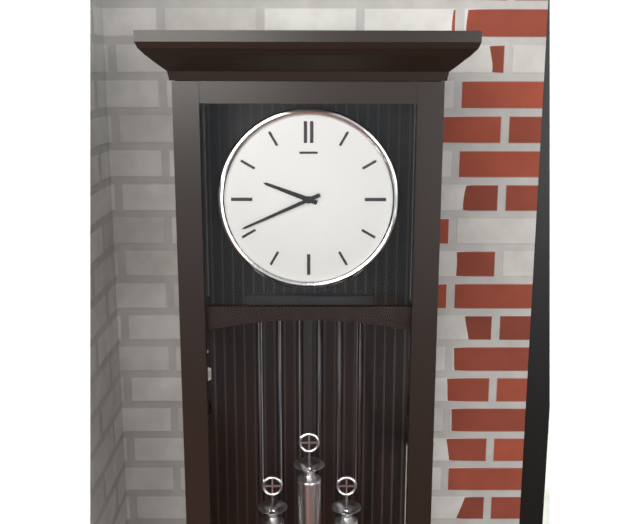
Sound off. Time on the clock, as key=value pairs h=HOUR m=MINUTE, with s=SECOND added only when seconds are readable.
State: h=9 m=41
